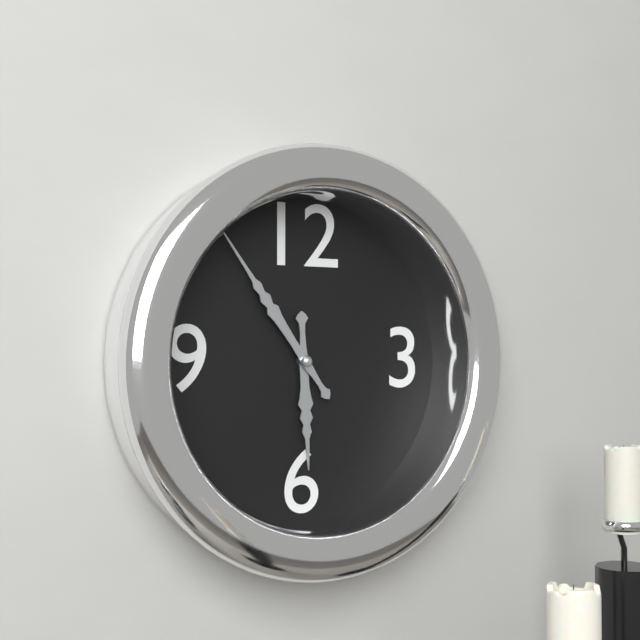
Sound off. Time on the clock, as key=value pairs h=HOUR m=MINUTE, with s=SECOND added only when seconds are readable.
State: h=5 m=54
